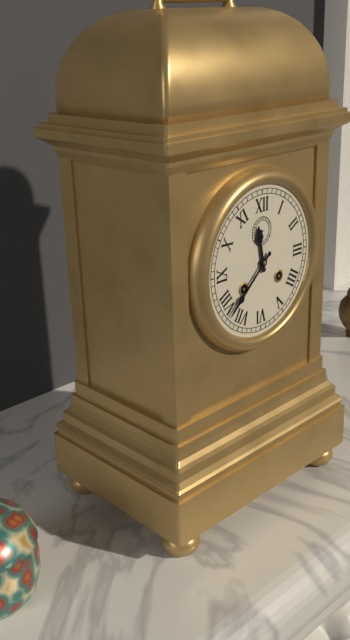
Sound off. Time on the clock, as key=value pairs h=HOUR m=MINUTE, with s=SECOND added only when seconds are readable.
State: h=11 m=38
